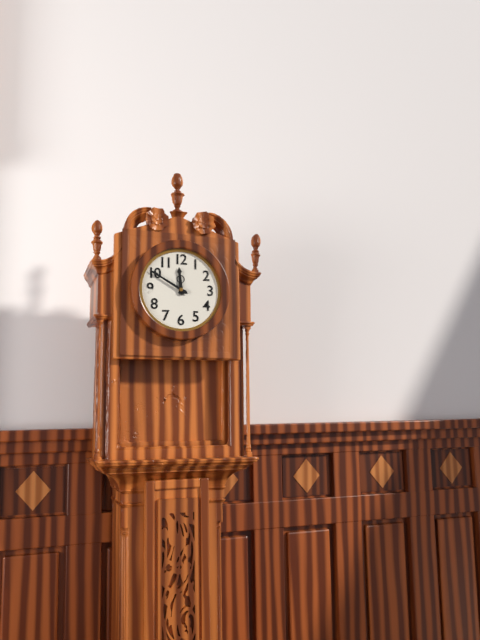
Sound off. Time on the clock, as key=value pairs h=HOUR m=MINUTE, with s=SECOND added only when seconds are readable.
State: h=11 m=50
